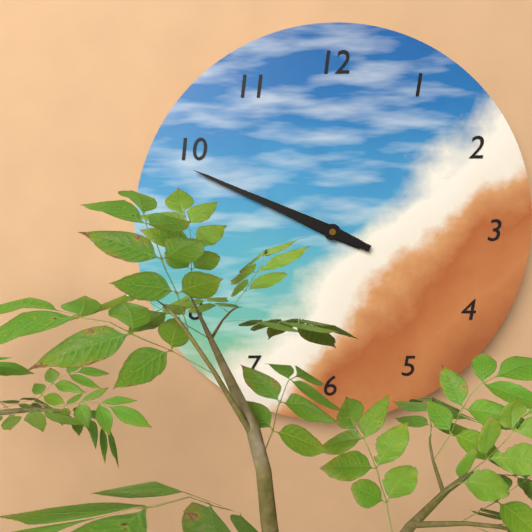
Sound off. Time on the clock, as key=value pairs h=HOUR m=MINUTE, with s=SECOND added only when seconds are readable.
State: h=9 m=49
